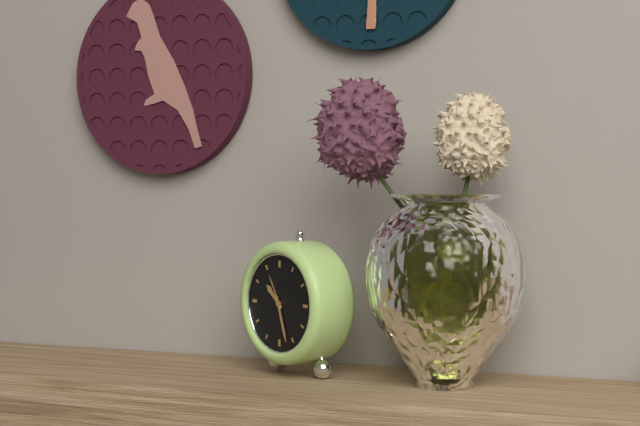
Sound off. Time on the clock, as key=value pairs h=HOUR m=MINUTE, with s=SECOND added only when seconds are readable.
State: h=10 m=27
